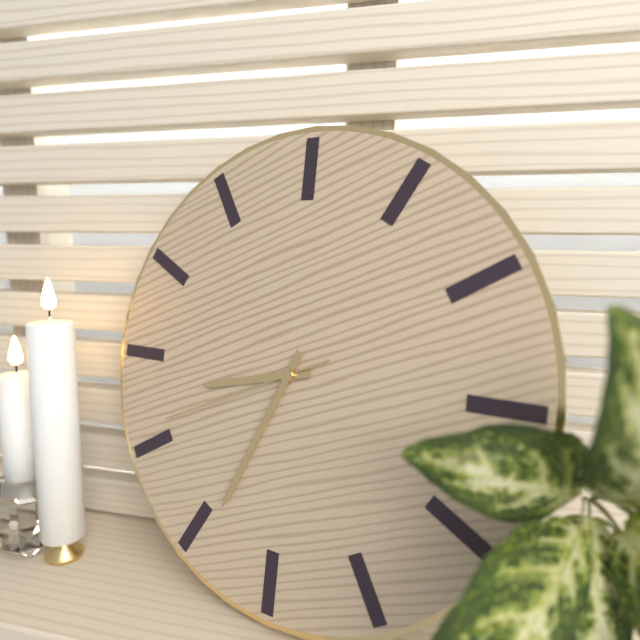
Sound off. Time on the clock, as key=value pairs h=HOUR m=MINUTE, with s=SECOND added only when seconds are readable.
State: h=8 m=34 s=41
